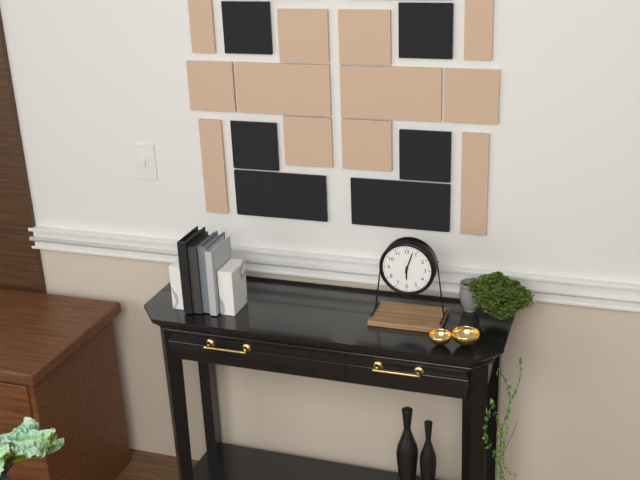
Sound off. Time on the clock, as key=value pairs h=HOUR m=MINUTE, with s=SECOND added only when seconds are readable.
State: h=6 m=3
